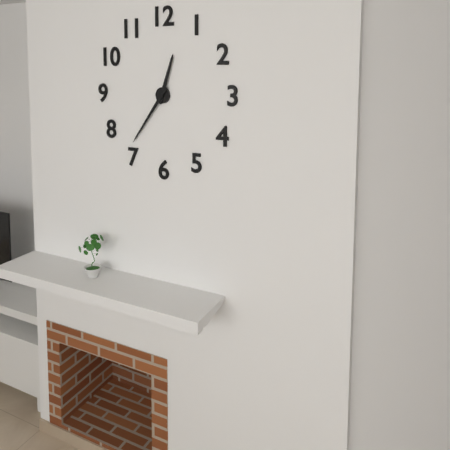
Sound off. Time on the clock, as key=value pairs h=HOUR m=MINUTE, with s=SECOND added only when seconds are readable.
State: h=12 m=36
